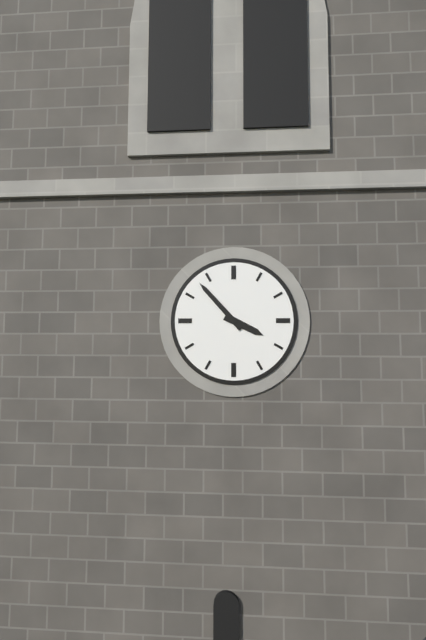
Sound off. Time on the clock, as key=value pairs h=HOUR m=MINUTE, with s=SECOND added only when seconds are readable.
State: h=3 m=53
